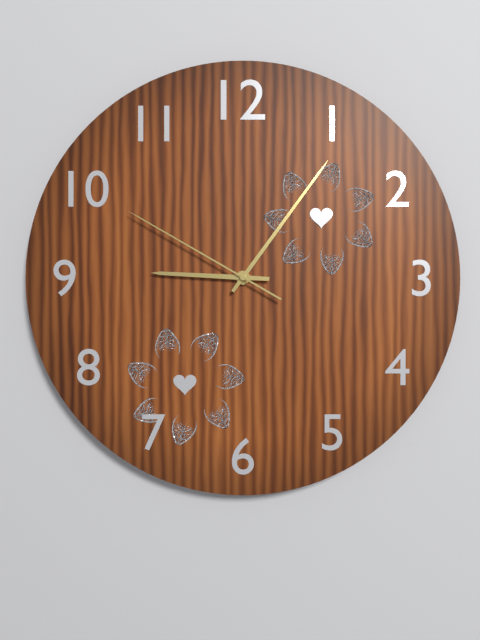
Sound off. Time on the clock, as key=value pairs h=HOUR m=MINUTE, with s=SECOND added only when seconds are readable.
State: h=9 m=6 s=50
